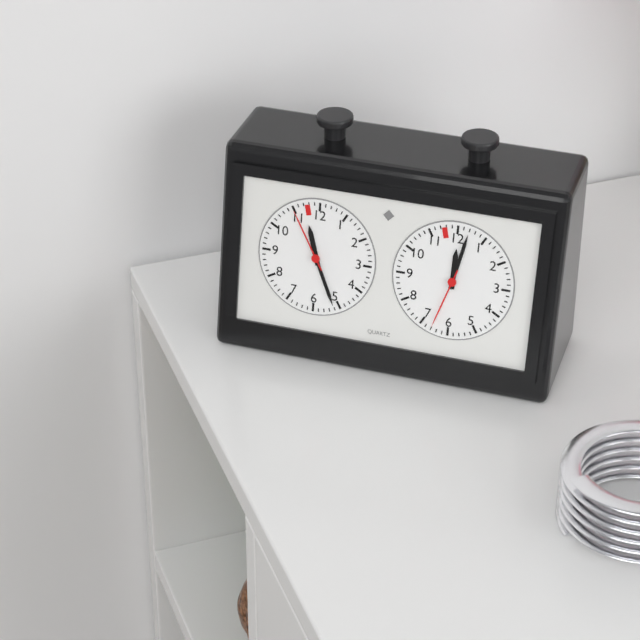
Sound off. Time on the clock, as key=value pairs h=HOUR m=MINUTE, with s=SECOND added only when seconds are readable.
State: h=11 m=26 s=55
